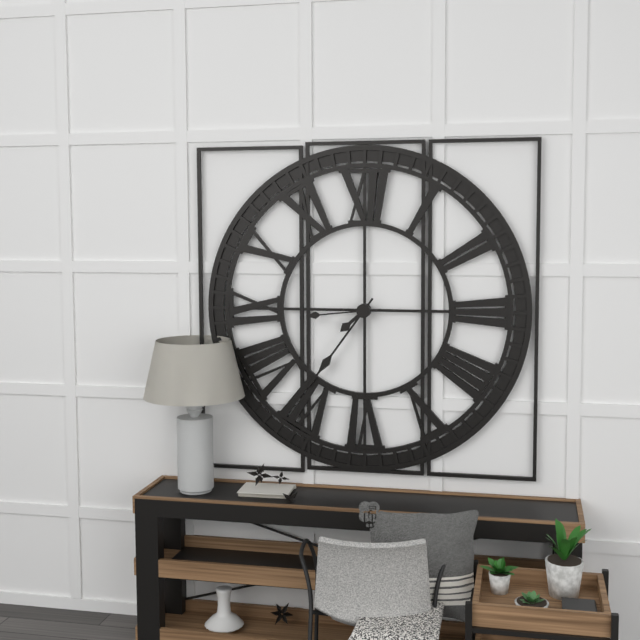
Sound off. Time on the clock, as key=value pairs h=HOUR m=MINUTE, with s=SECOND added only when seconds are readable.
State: h=7 m=36 s=44
